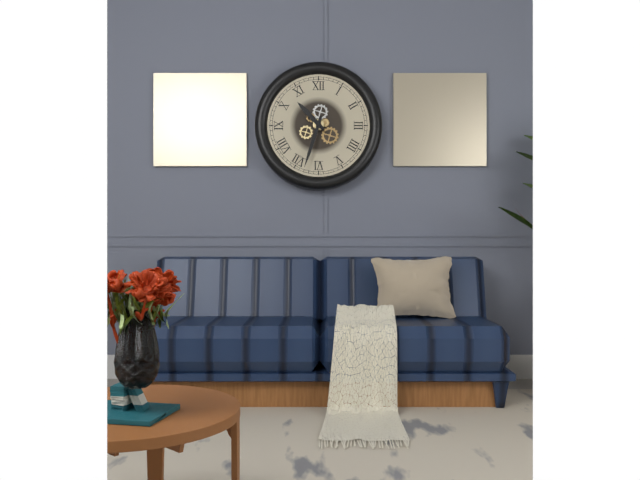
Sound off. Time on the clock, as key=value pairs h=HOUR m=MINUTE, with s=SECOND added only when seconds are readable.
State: h=10 m=33
